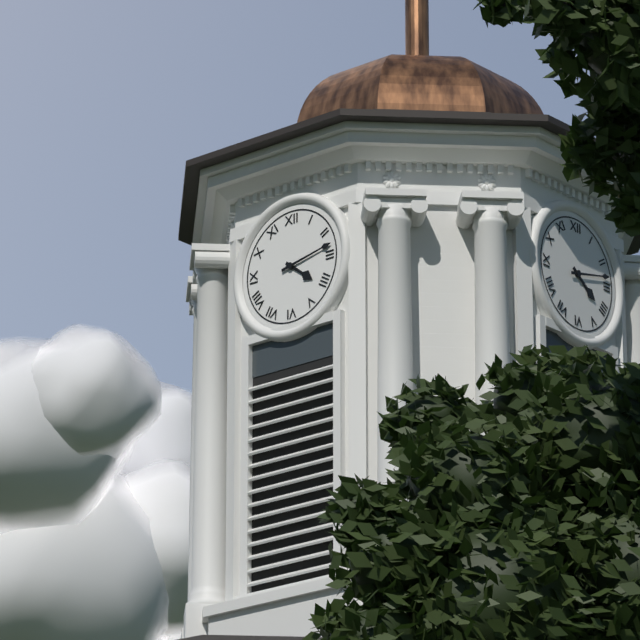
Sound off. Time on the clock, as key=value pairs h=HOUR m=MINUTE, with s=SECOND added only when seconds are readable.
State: h=4 m=13
